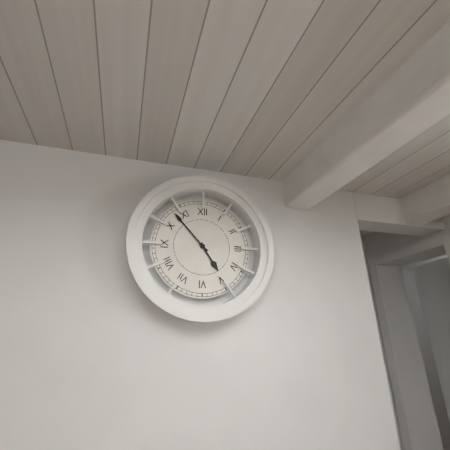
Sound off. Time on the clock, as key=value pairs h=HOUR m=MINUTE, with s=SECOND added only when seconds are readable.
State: h=4 m=53
